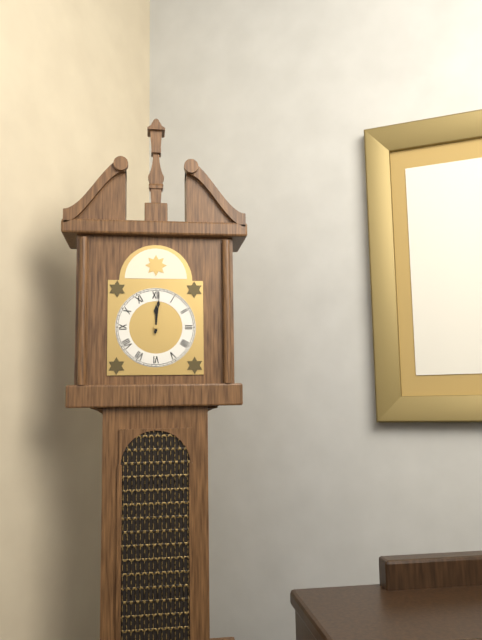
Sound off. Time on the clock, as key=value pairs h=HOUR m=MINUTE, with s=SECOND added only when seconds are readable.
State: h=12 m=1
